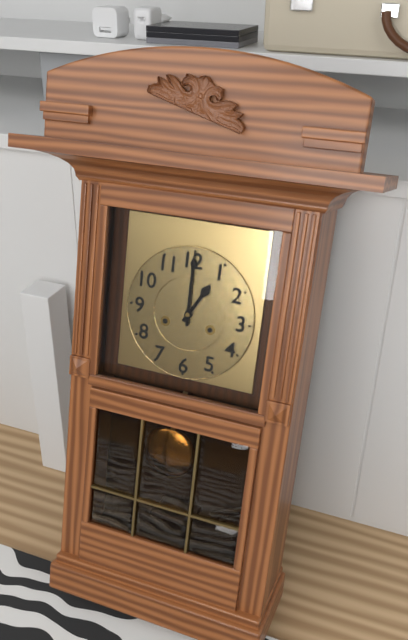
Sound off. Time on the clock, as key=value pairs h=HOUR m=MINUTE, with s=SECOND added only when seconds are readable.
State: h=1 m=0
